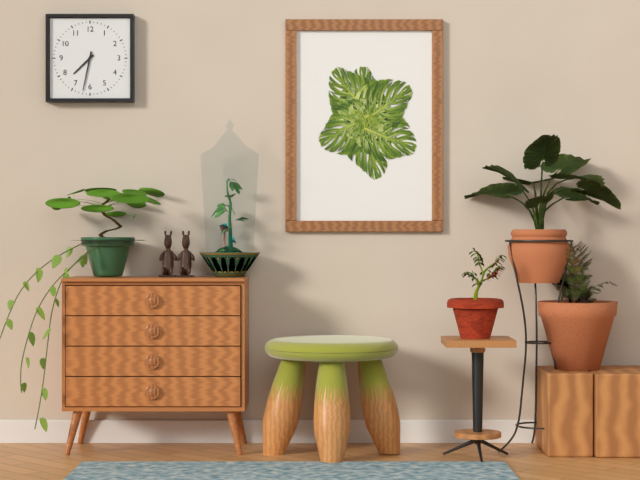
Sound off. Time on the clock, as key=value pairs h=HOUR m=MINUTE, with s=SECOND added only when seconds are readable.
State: h=7 m=32
